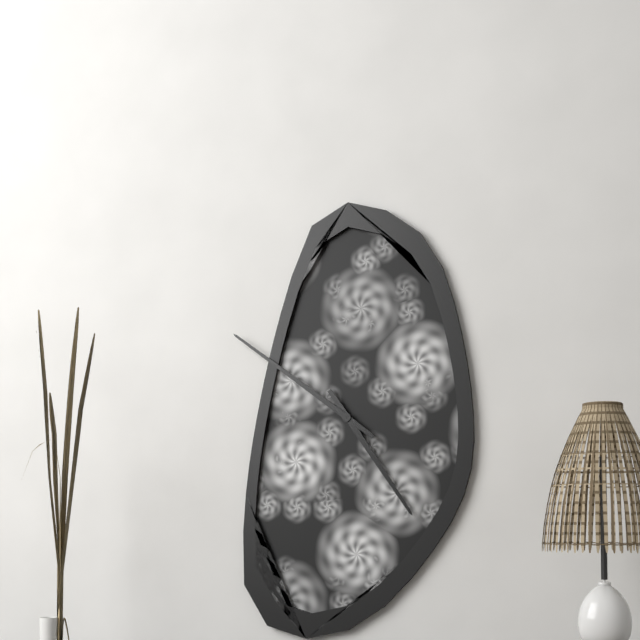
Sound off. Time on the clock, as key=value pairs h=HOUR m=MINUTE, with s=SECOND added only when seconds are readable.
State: h=4 m=51
